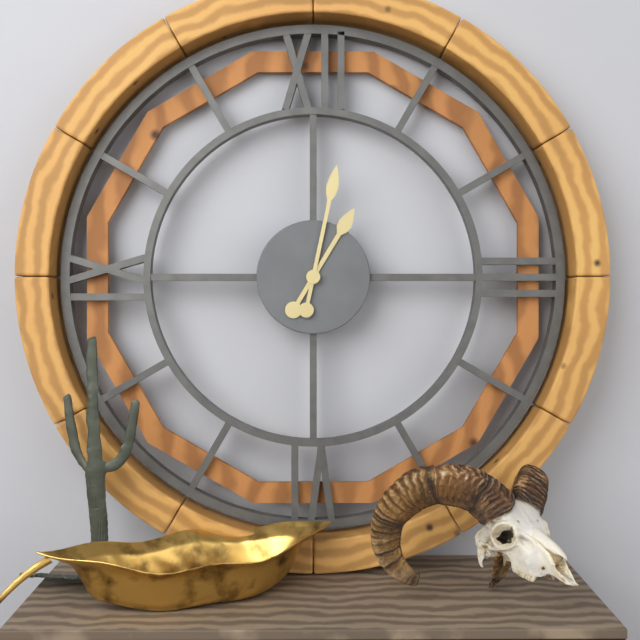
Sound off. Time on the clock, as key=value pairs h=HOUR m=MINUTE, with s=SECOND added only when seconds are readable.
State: h=1 m=2
